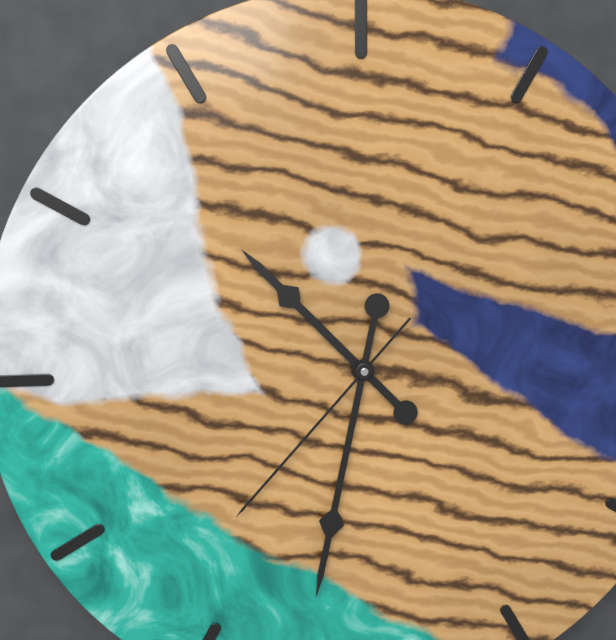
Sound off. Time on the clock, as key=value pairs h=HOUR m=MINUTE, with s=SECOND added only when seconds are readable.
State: h=10 m=32 s=37
